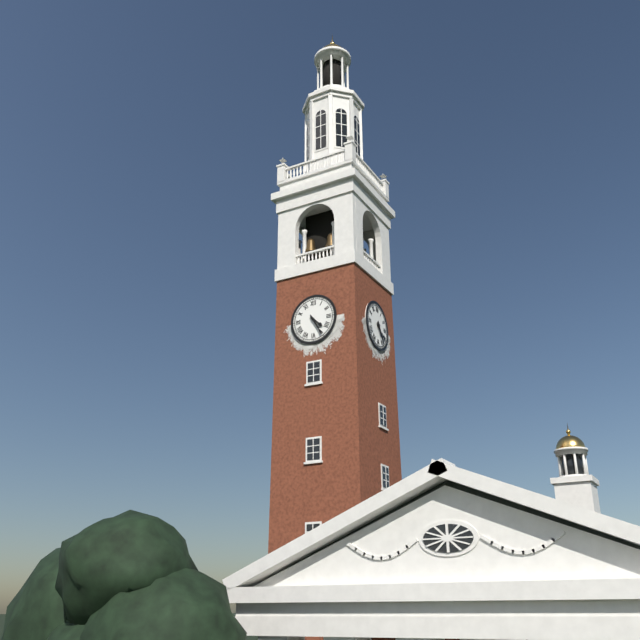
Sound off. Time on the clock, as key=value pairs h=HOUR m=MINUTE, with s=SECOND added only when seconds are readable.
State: h=4 m=25
